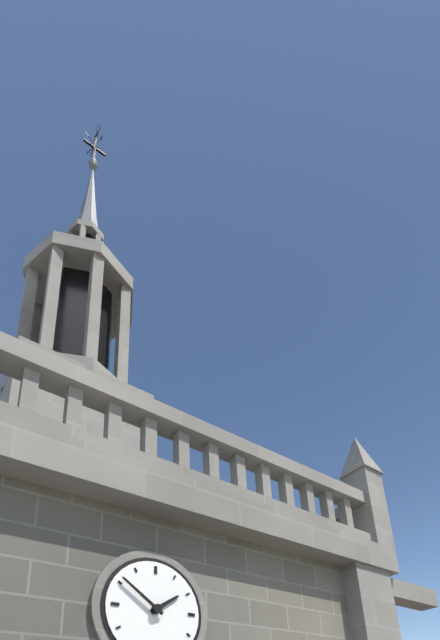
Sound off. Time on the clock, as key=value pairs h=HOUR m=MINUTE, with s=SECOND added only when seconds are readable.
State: h=1 m=51
